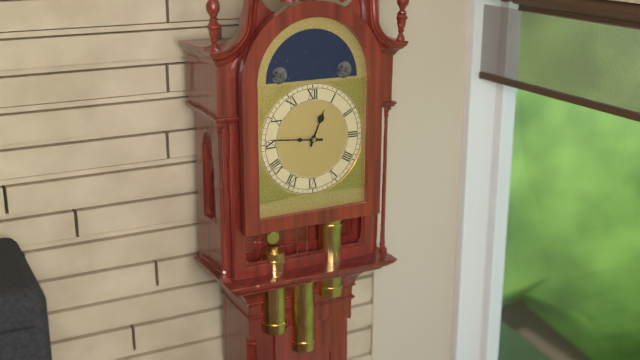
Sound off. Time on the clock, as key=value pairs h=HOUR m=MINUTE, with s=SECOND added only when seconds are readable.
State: h=12 m=46
